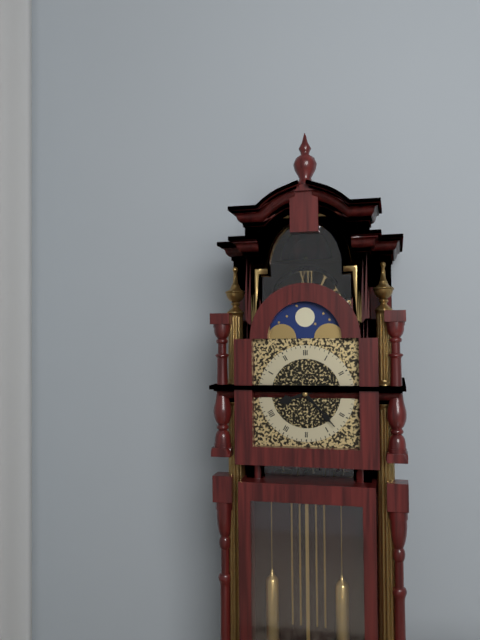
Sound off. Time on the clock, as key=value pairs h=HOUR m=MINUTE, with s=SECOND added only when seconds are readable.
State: h=8 m=23
